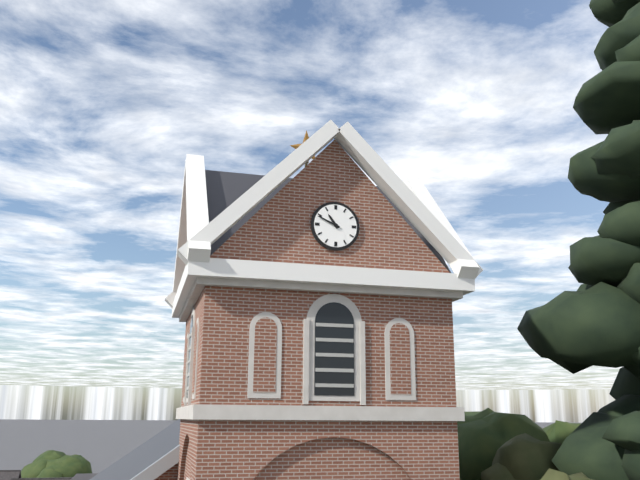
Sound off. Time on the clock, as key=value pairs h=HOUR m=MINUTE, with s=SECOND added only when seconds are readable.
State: h=10 m=49
